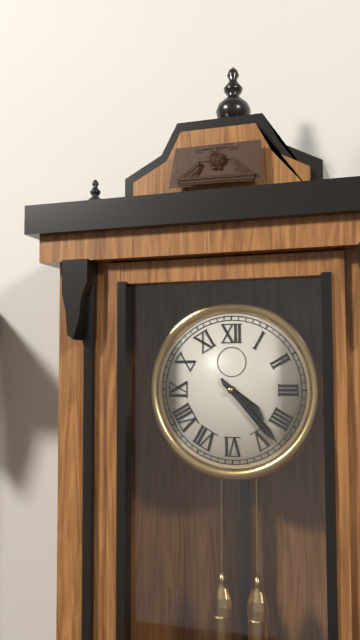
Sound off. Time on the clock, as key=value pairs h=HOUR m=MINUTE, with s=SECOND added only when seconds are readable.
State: h=4 m=23
